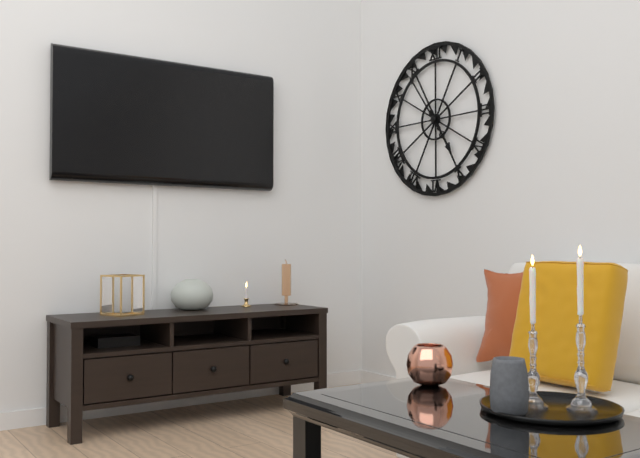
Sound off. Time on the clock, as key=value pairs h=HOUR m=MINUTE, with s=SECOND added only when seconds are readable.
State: h=4 m=54
